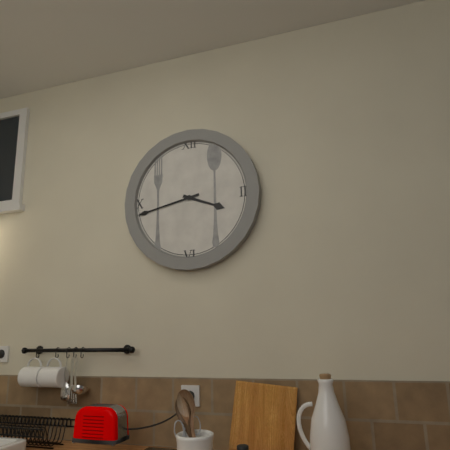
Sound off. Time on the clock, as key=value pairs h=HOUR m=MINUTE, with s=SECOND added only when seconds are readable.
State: h=3 m=43
